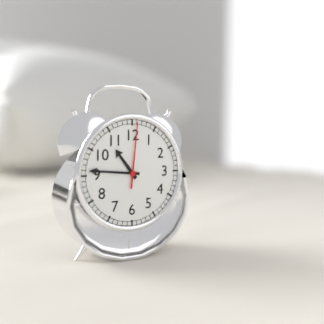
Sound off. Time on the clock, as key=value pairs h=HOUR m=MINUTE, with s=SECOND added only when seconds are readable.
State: h=10 m=46 s=1
